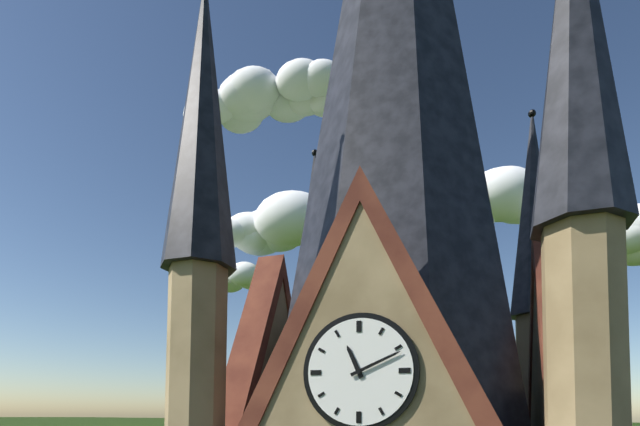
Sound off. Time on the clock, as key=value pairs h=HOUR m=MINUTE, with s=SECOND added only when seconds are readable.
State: h=11 m=11
